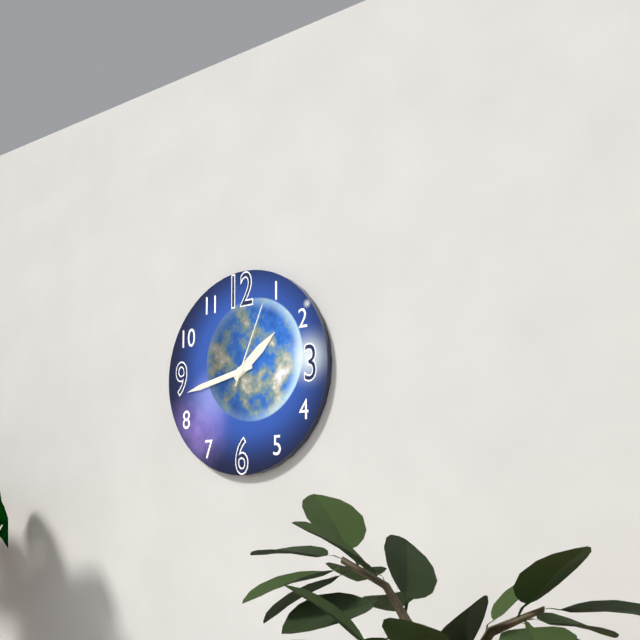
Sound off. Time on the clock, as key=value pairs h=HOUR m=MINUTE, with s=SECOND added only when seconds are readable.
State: h=1 m=43 s=4
